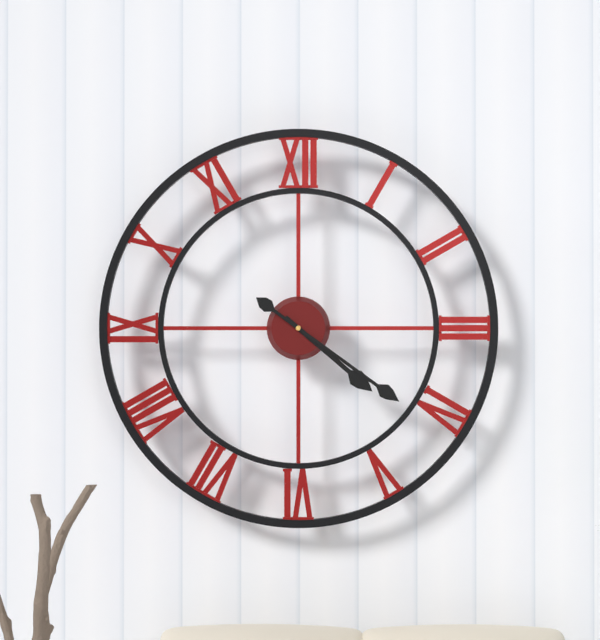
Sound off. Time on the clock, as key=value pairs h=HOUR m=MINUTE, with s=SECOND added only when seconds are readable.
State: h=4 m=21
